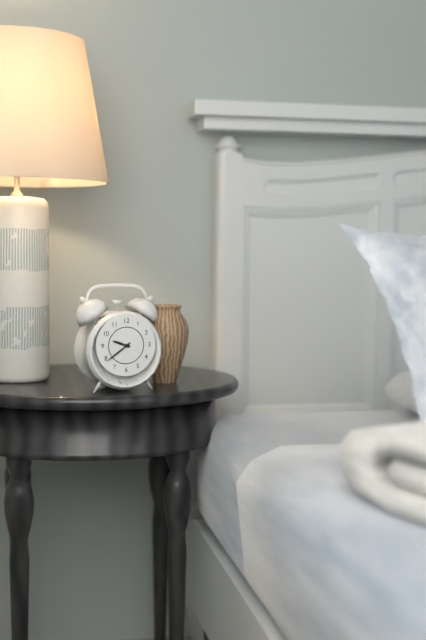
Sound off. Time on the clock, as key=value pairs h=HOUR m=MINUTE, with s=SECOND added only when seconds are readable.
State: h=9 m=39
